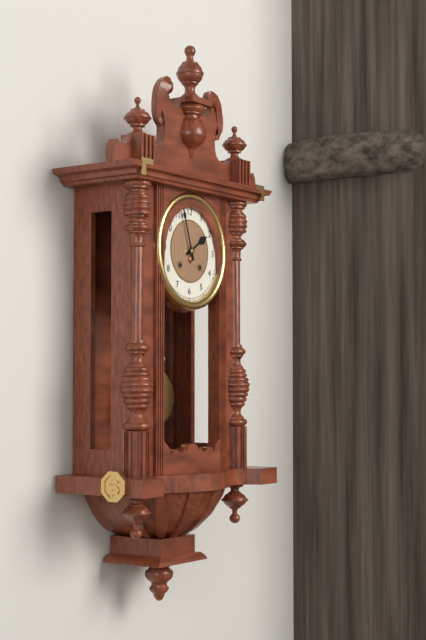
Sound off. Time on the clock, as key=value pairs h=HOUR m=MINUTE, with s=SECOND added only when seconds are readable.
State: h=1 m=57
